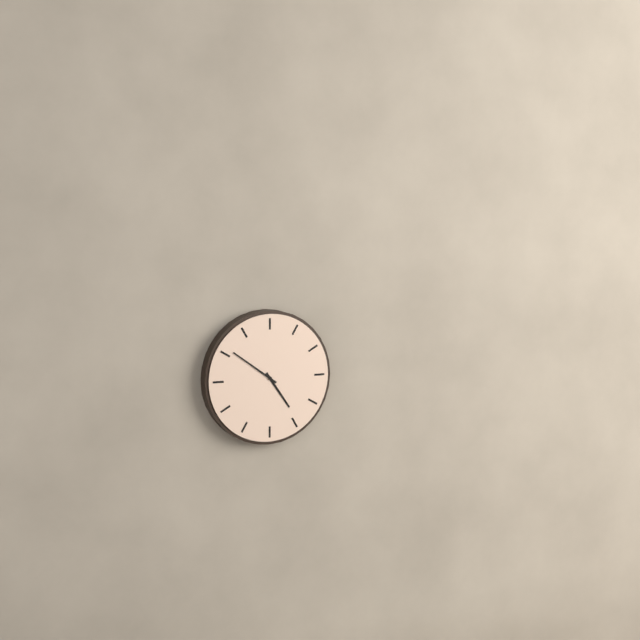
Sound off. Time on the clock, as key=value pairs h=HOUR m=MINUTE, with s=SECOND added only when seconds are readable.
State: h=4 m=51
